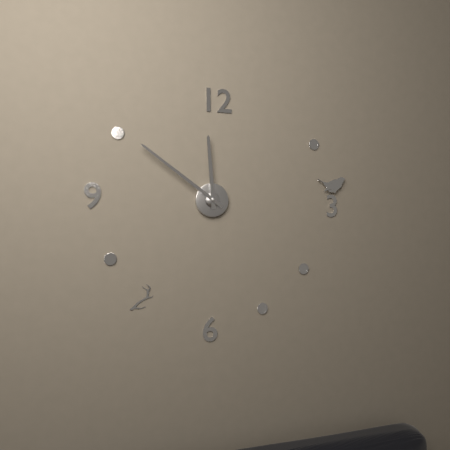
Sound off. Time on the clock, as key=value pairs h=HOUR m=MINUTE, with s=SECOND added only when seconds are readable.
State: h=11 m=51
